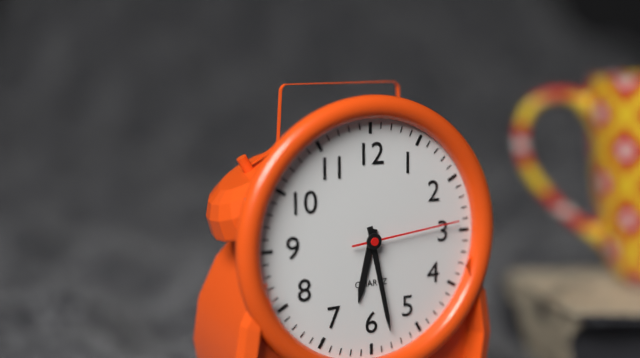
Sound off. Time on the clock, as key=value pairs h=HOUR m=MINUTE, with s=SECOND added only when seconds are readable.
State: h=6 m=28 s=14
